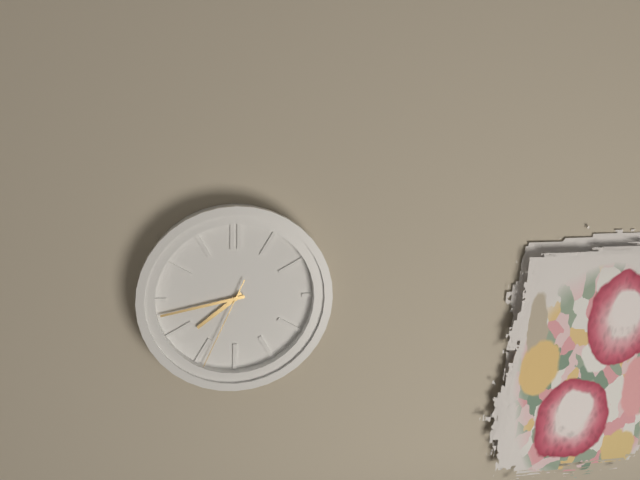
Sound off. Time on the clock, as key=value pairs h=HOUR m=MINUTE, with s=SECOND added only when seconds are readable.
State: h=7 m=43 s=34
